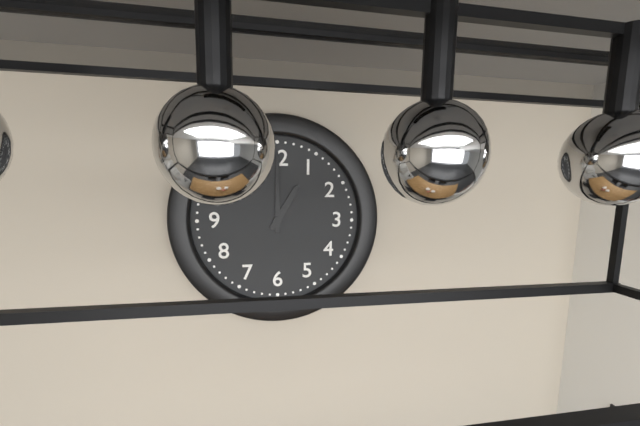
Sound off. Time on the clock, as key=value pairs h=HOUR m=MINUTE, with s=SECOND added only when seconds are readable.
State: h=1 m=0
